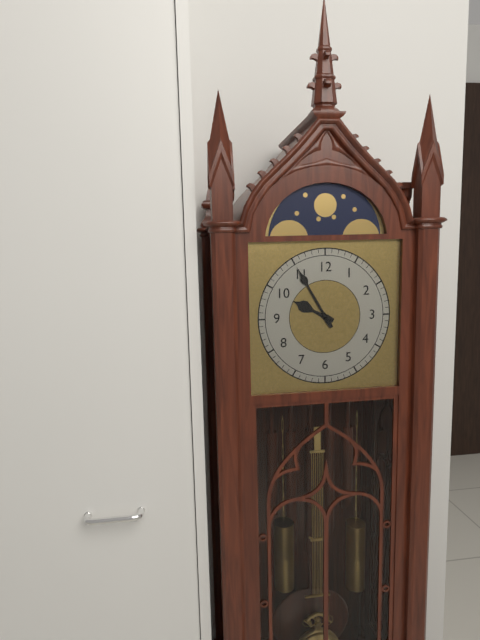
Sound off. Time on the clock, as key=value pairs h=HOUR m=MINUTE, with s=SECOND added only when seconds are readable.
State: h=9 m=55
